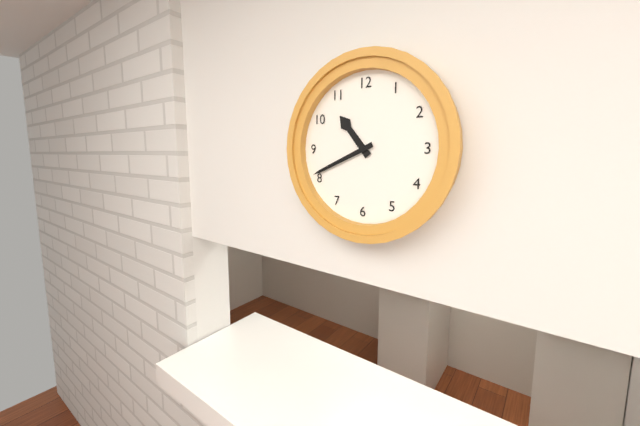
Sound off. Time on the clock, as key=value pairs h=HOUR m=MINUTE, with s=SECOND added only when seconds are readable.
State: h=10 m=41
